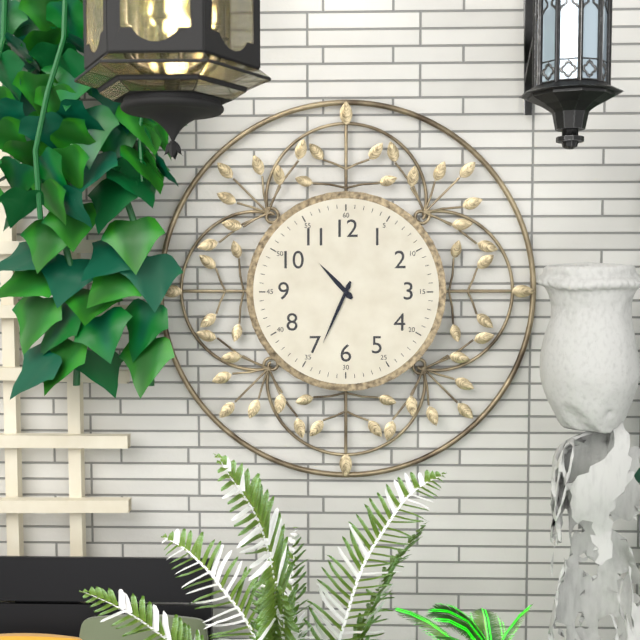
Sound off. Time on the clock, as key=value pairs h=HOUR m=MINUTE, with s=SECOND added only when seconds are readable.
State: h=10 m=34
